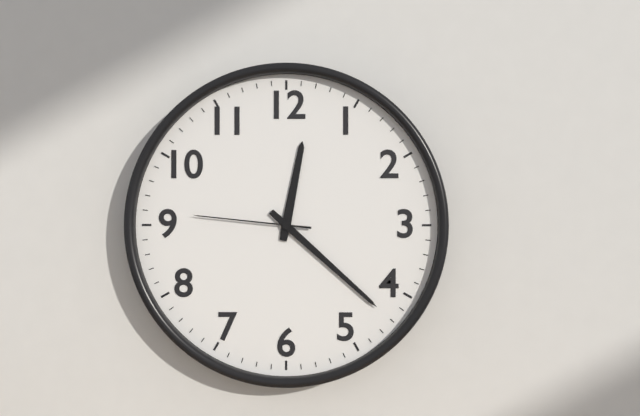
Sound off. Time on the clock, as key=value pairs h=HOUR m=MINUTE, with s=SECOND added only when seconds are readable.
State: h=12 m=22 s=46
